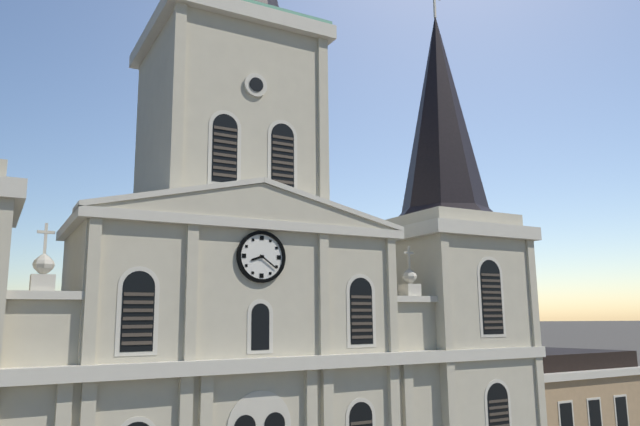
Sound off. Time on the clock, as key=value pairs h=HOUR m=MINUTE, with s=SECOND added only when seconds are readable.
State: h=8 m=21
